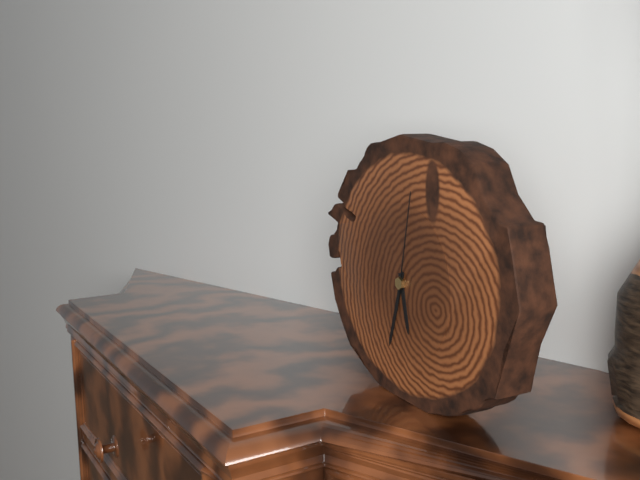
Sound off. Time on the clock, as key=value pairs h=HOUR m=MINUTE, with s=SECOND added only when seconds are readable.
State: h=5 m=33 s=2
